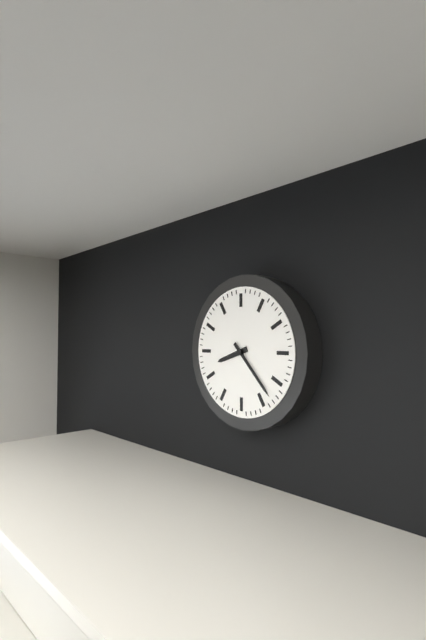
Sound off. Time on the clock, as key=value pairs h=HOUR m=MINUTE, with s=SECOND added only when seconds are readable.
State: h=8 m=23
